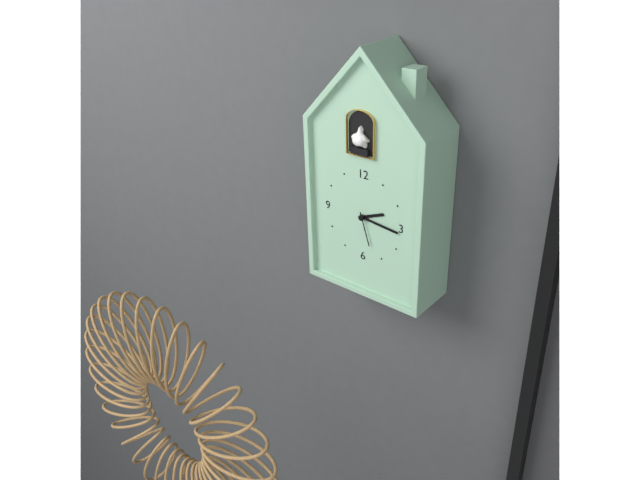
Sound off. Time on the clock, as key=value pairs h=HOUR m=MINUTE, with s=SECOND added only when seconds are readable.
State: h=2 m=16
